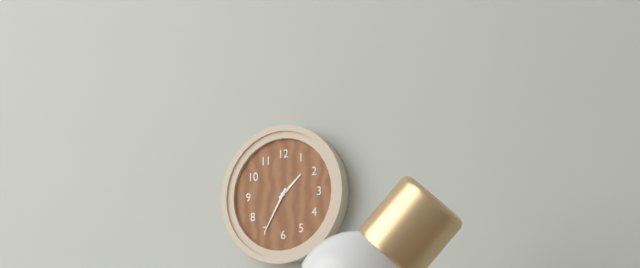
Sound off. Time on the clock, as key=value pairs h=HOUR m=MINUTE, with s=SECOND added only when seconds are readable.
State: h=1 m=35
